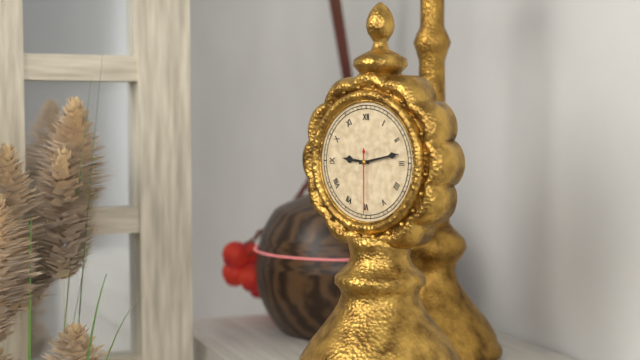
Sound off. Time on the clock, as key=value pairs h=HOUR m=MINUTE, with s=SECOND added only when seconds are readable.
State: h=9 m=13 s=30
